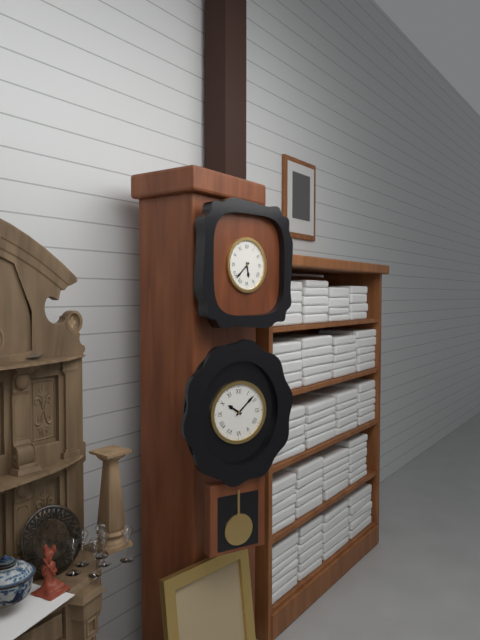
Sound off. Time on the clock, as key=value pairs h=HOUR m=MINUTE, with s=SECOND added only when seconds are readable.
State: h=5 m=38
